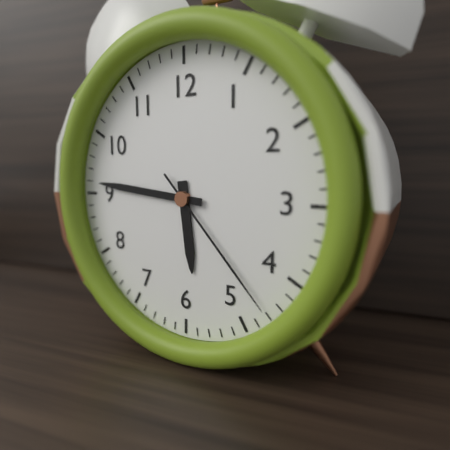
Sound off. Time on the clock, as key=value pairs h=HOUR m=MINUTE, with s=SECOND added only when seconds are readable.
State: h=5 m=46 s=23
